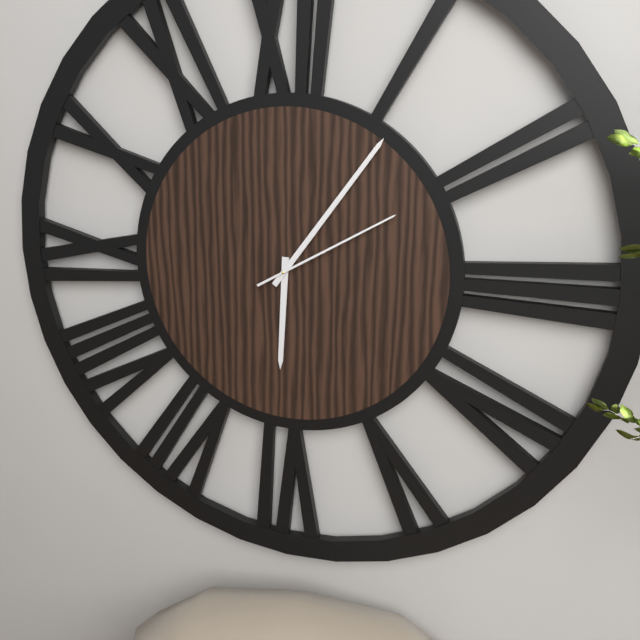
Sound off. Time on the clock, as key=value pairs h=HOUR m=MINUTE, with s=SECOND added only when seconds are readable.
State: h=6 m=6 s=10
